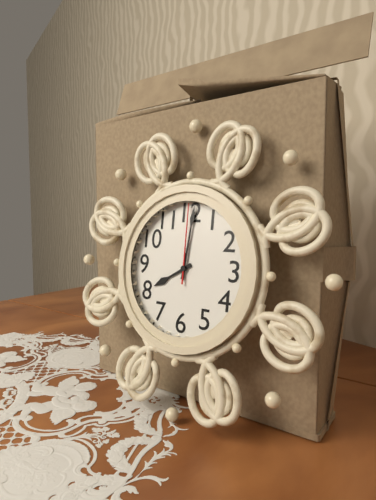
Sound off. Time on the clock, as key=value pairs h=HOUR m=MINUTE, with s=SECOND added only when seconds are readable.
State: h=8 m=1 s=0
